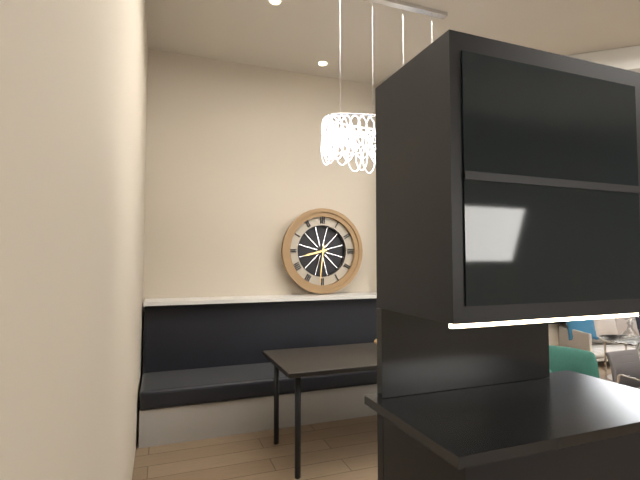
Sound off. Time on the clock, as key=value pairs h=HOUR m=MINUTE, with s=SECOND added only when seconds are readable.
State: h=8 m=31
